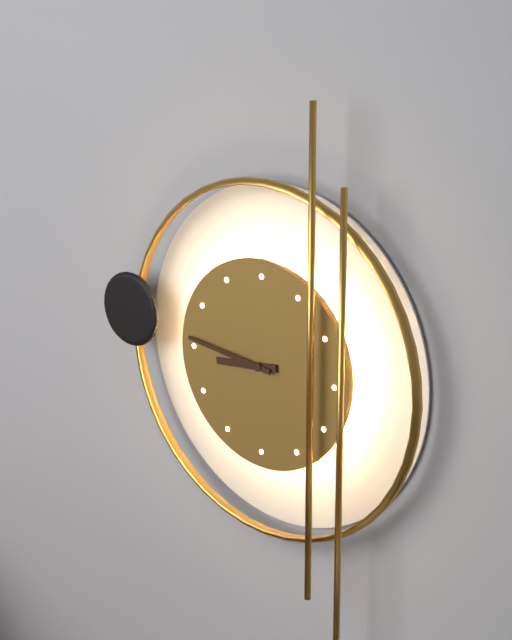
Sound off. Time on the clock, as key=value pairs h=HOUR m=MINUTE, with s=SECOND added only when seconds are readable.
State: h=8 m=46
